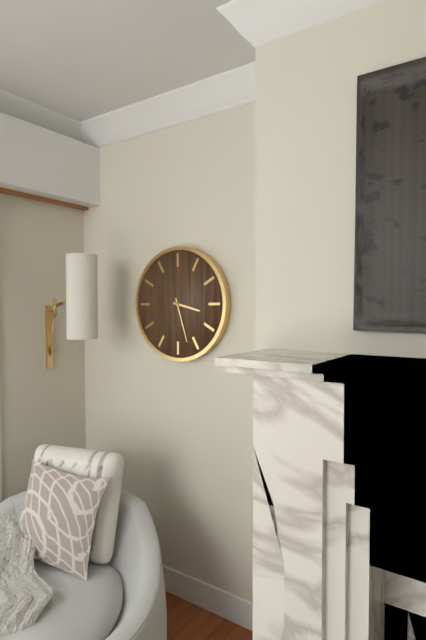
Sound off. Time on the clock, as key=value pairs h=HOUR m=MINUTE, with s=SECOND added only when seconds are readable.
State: h=3 m=27
